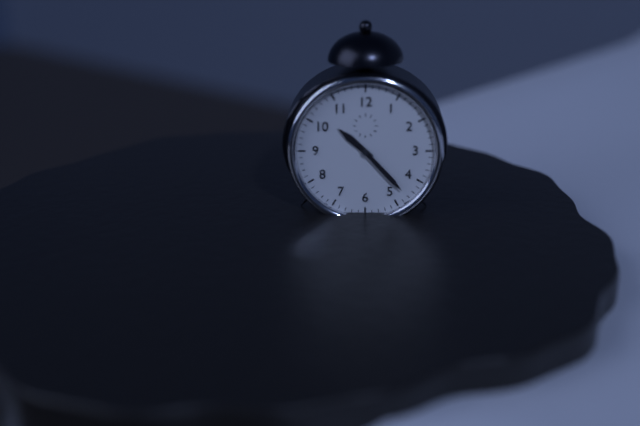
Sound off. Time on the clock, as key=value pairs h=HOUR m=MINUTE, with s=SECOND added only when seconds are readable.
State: h=10 m=23
